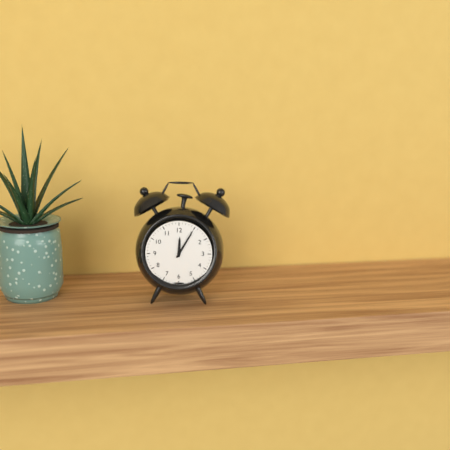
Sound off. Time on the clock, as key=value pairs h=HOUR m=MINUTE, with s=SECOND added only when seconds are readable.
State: h=12 m=5
